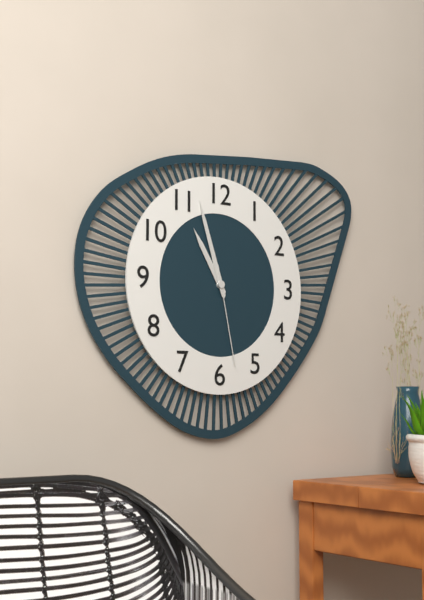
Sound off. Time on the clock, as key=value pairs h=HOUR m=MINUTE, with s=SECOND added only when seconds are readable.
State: h=10 m=57 s=28
